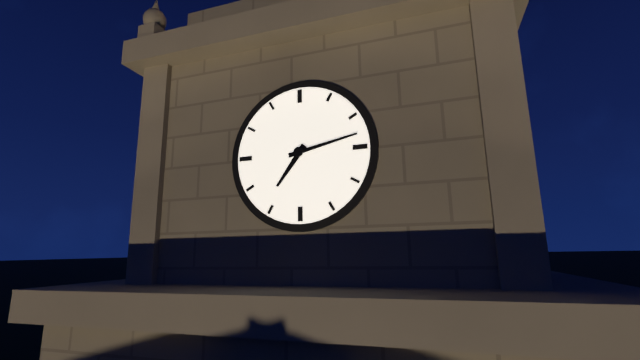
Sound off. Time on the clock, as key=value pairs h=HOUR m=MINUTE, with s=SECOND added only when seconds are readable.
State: h=7 m=13
